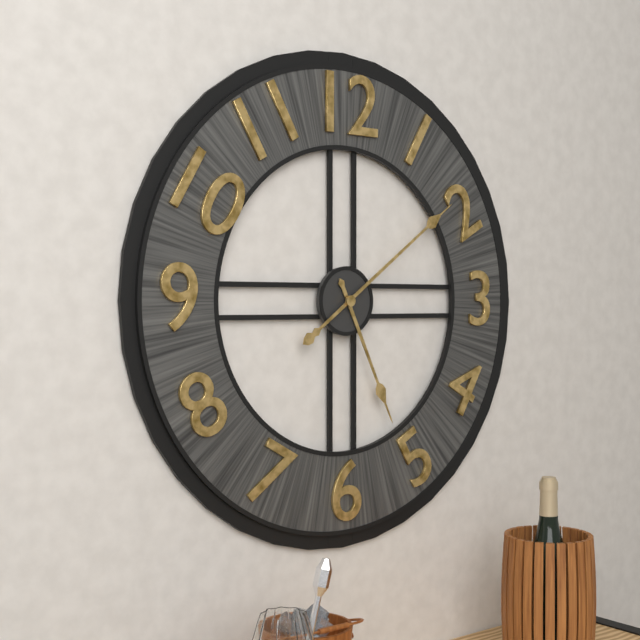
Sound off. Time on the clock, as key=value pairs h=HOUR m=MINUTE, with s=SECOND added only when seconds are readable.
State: h=5 m=9
